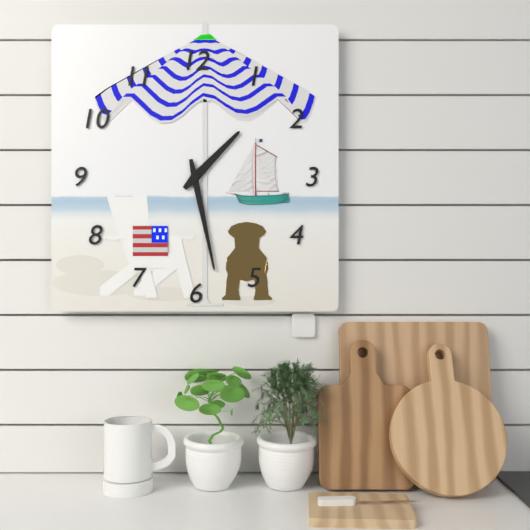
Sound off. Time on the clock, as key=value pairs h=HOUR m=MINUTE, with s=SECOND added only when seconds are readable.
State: h=1 m=28
